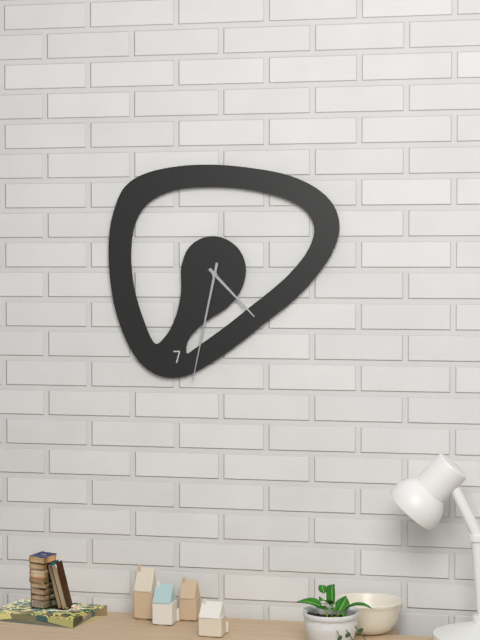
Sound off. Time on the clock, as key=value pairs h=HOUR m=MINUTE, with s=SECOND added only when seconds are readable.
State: h=4 m=32
